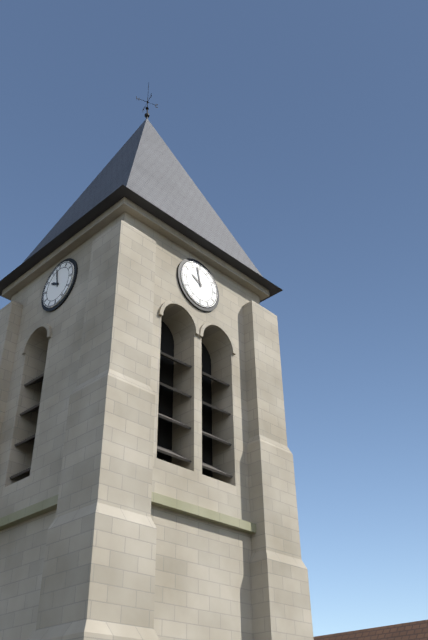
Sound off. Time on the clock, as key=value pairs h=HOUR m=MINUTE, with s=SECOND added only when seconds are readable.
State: h=9 m=58
